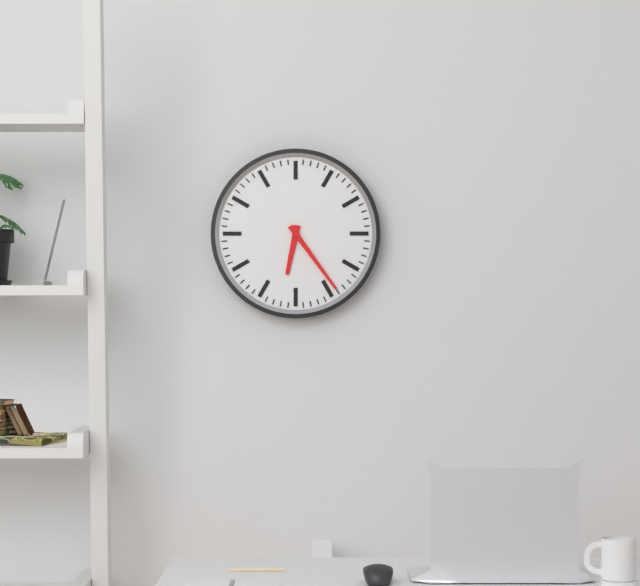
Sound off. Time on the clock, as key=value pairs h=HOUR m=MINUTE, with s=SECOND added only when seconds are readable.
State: h=6 m=24
